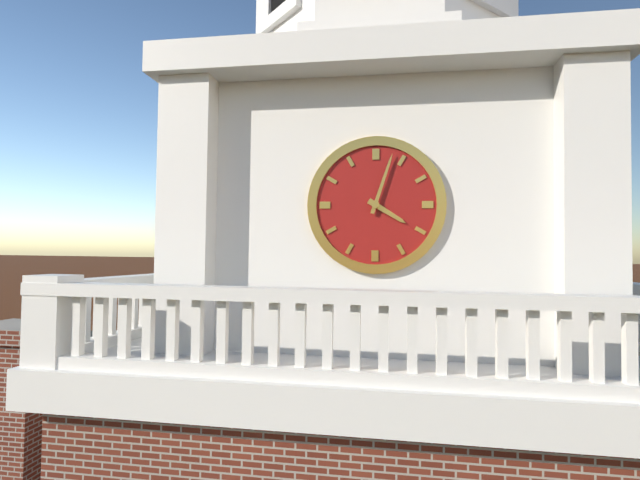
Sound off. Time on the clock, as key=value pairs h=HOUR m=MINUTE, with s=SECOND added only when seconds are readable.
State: h=4 m=3
